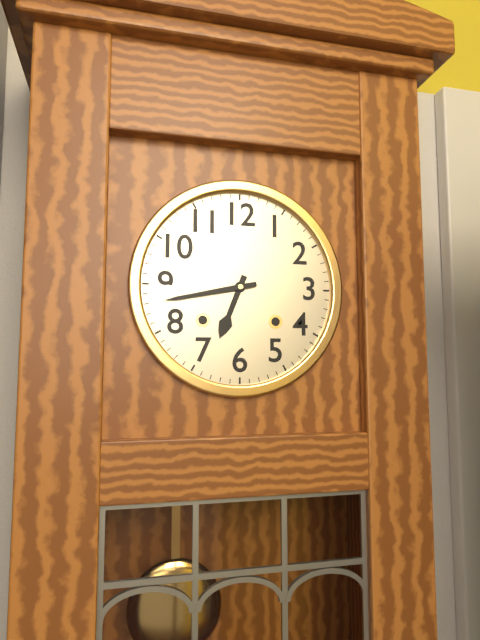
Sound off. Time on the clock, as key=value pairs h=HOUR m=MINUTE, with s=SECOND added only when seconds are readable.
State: h=6 m=43
